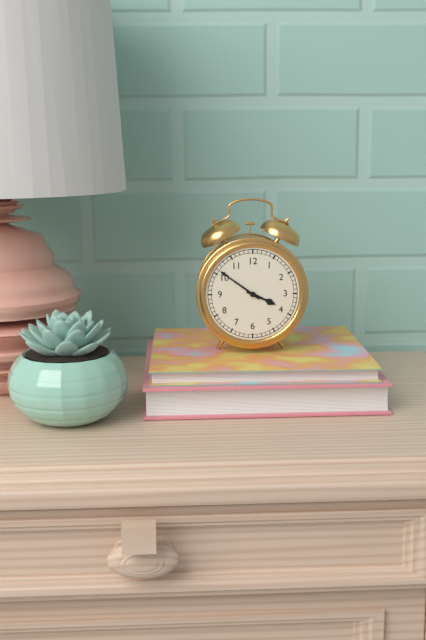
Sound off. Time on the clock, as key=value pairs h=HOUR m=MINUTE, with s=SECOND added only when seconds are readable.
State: h=3 m=51
